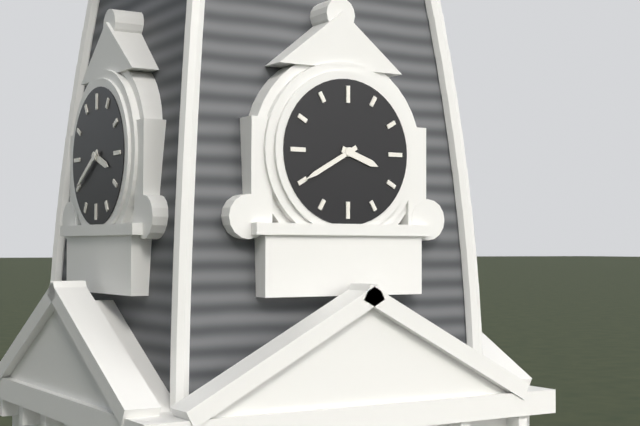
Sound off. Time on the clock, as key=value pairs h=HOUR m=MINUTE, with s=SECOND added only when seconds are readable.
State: h=3 m=40
